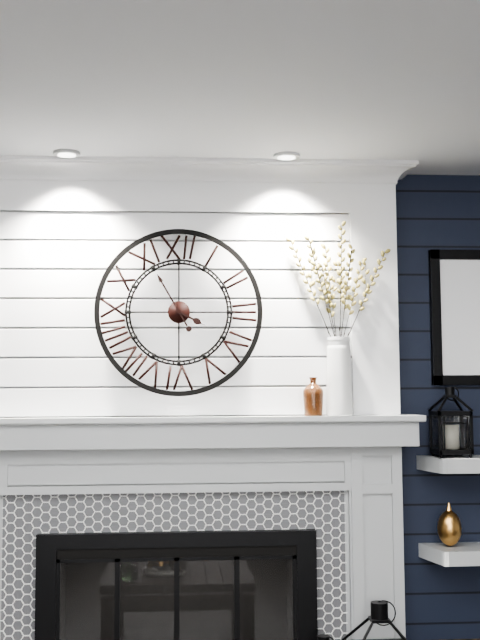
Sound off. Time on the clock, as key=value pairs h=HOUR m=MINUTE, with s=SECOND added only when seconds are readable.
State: h=3 m=55
